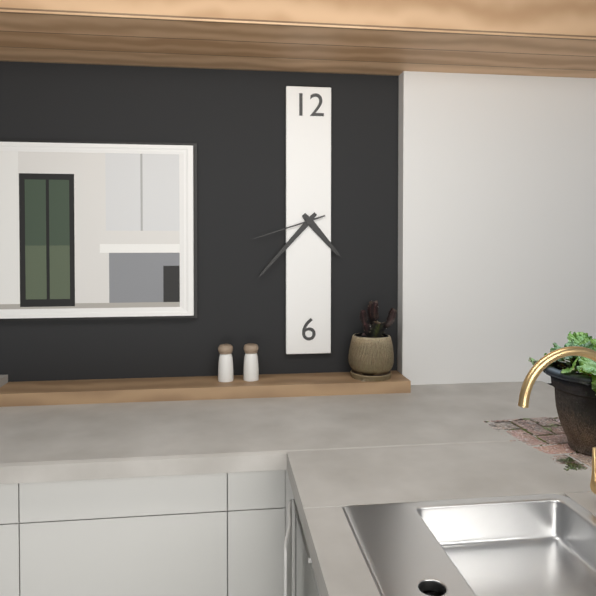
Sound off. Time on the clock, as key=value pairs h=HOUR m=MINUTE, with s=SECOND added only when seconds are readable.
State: h=4 m=37 s=42
